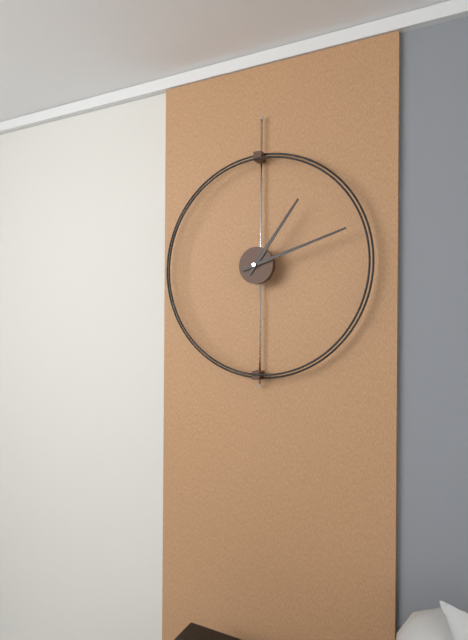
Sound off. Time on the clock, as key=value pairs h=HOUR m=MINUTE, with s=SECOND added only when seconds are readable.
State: h=1 m=12
